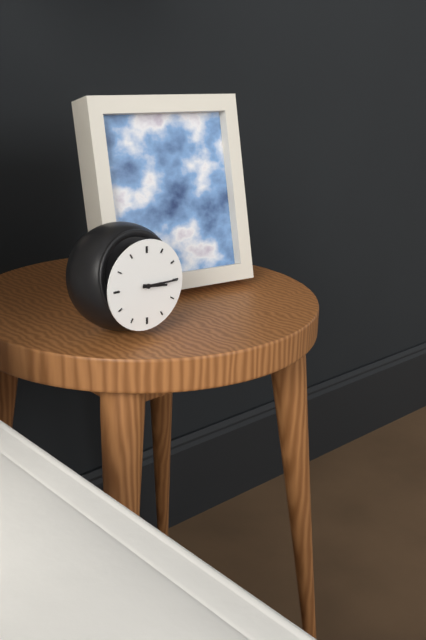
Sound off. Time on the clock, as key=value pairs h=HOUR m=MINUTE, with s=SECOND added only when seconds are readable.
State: h=3 m=15
